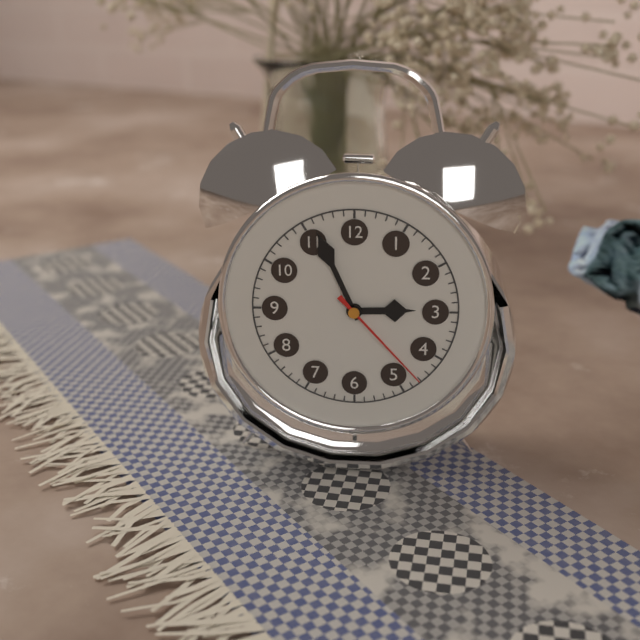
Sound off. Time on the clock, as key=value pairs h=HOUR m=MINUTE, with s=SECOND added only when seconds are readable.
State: h=2 m=56 s=23
